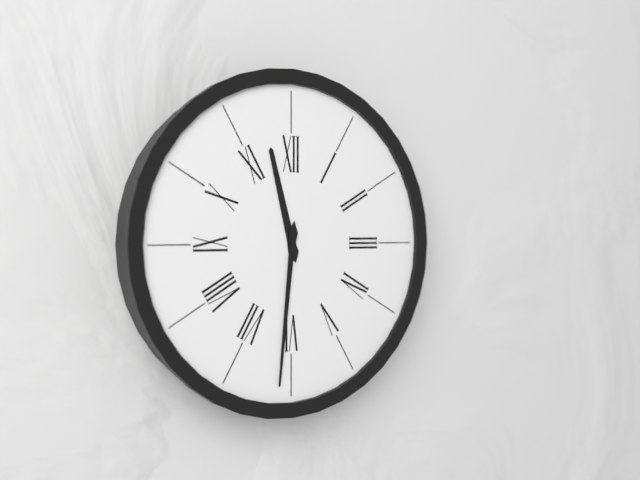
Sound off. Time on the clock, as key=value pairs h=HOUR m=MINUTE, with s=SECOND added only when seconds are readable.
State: h=11 m=31
